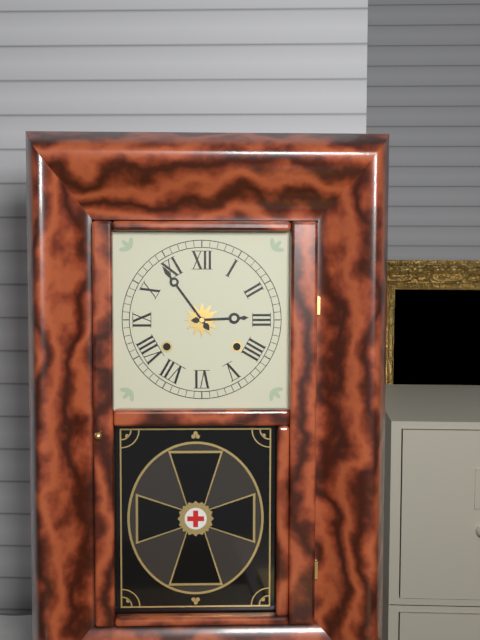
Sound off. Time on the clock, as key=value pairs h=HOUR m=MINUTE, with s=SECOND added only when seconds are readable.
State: h=2 m=54
